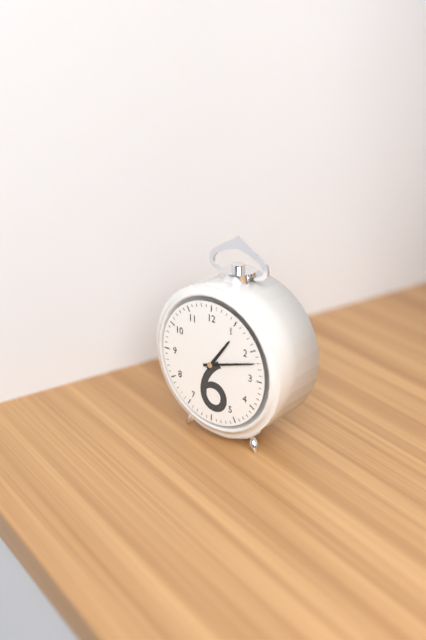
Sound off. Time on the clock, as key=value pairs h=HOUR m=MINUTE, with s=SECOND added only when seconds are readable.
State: h=1 m=12
